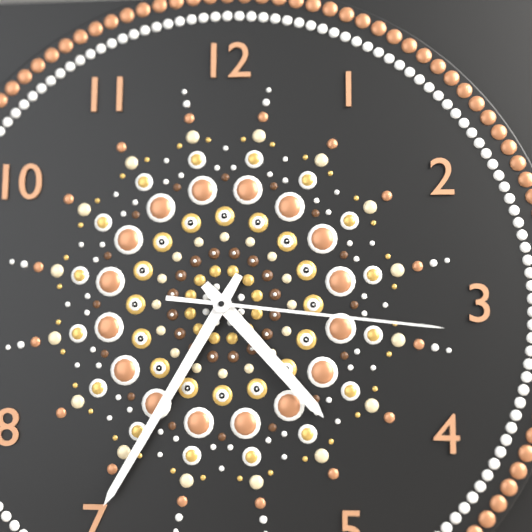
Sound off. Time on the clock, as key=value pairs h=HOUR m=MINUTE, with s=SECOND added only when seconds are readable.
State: h=4 m=35 s=16
